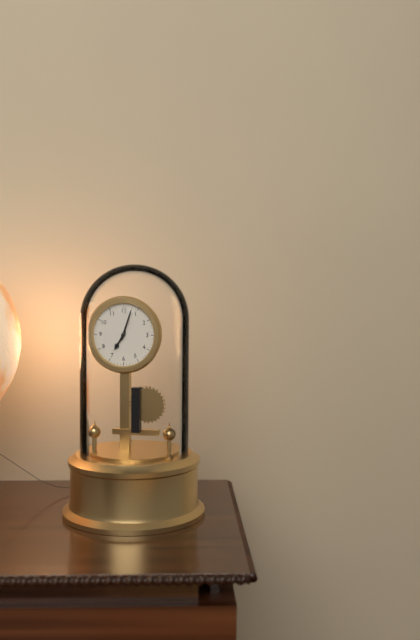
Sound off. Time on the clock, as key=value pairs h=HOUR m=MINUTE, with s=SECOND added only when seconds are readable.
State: h=7 m=3
